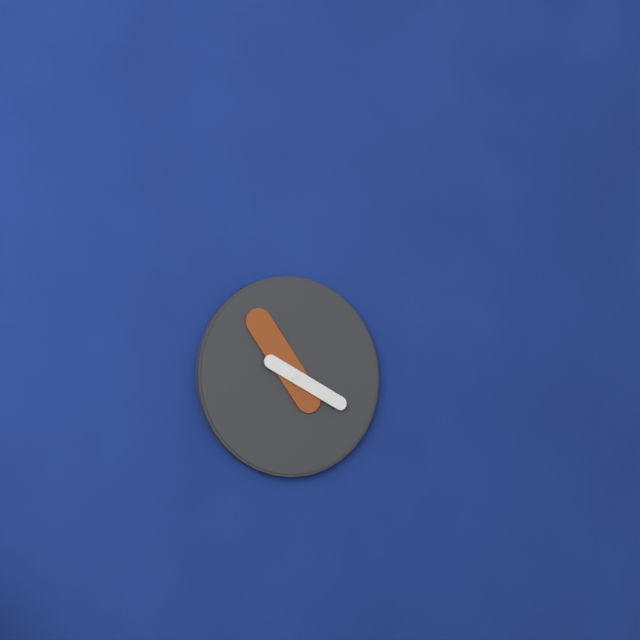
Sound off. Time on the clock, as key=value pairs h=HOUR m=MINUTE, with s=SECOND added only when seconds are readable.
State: h=3 m=54
